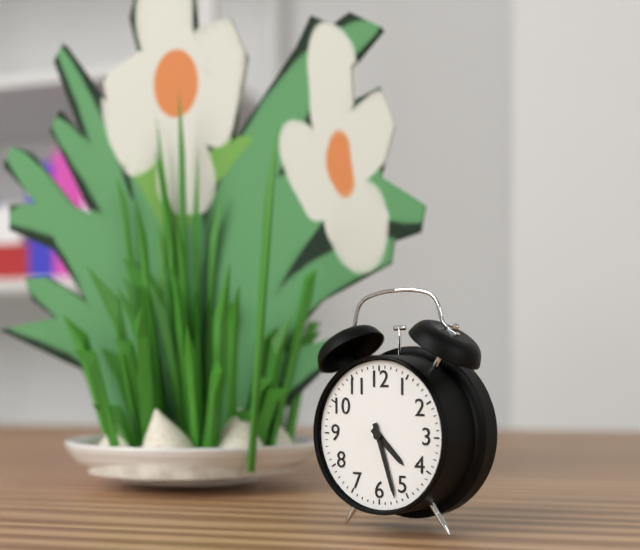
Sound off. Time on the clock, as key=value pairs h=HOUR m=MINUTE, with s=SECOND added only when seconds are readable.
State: h=4 m=27
